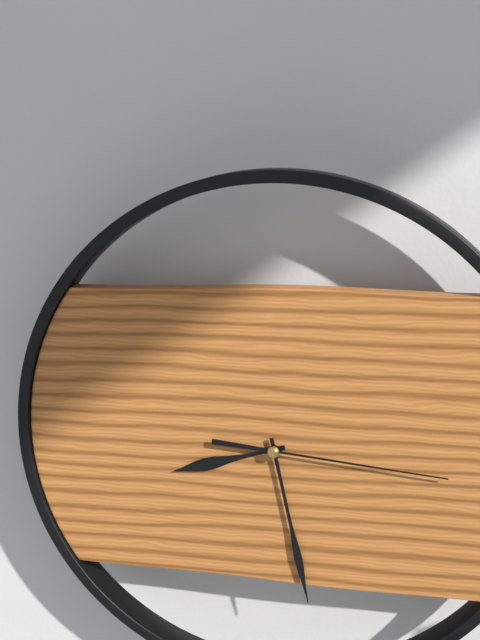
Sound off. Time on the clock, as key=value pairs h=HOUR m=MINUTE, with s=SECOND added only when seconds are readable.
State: h=8 m=28 s=16
